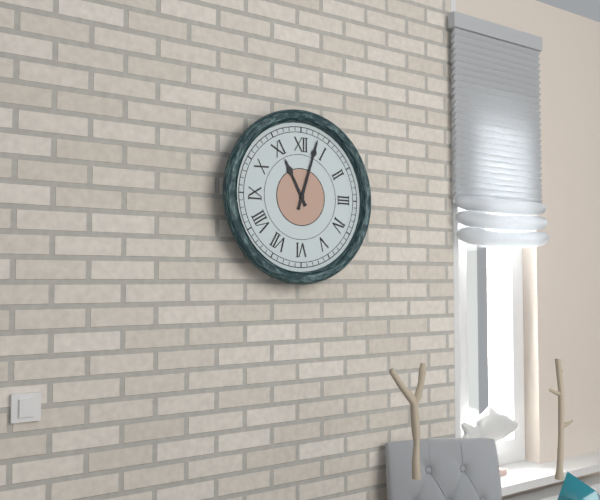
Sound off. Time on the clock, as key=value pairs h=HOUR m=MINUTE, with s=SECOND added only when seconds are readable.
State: h=11 m=3
